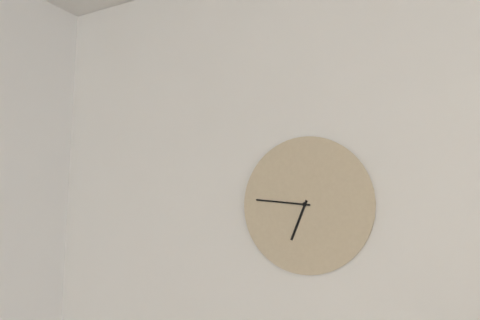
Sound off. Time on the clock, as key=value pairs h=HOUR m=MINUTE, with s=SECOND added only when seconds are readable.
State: h=6 m=46
